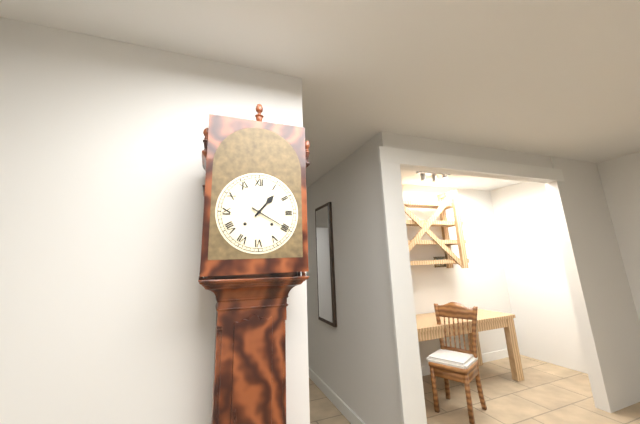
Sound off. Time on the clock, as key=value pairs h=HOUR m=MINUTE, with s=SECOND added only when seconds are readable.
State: h=1 m=20
